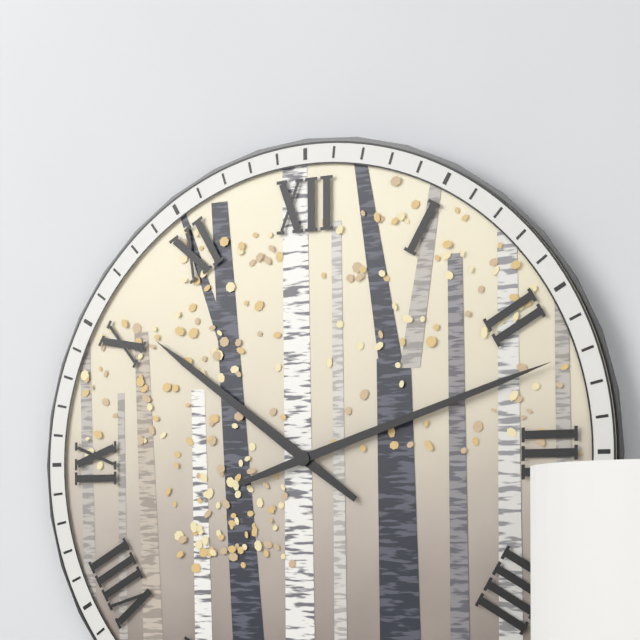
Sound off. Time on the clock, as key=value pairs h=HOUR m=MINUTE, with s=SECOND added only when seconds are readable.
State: h=10 m=12
